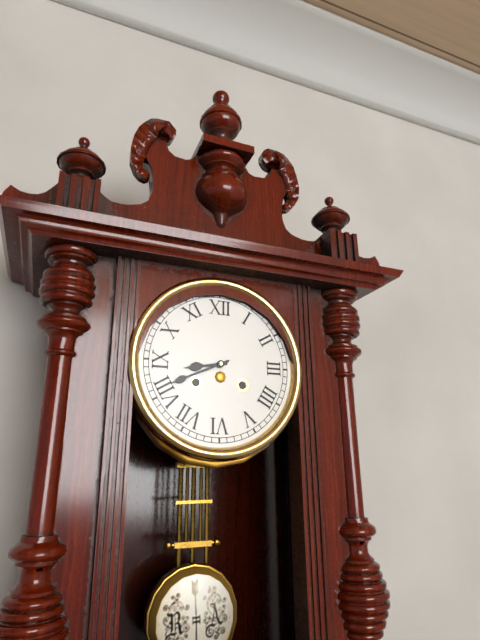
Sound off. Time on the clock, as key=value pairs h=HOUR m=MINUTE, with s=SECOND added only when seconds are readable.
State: h=8 m=41
